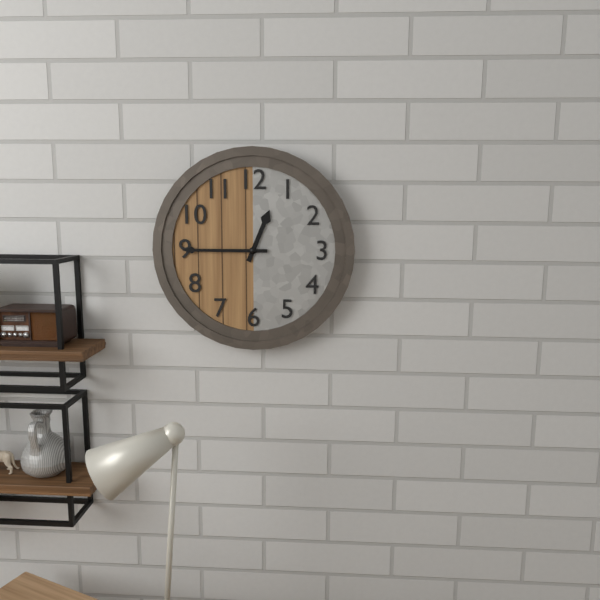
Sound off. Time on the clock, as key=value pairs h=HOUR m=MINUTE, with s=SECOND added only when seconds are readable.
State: h=12 m=45
